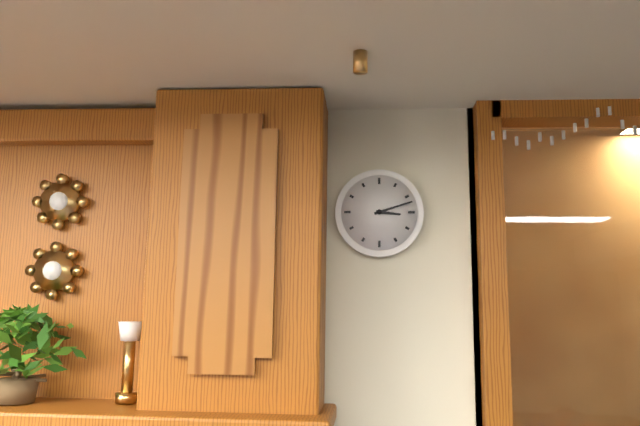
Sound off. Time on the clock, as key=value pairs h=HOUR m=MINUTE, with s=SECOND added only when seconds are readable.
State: h=3 m=12
